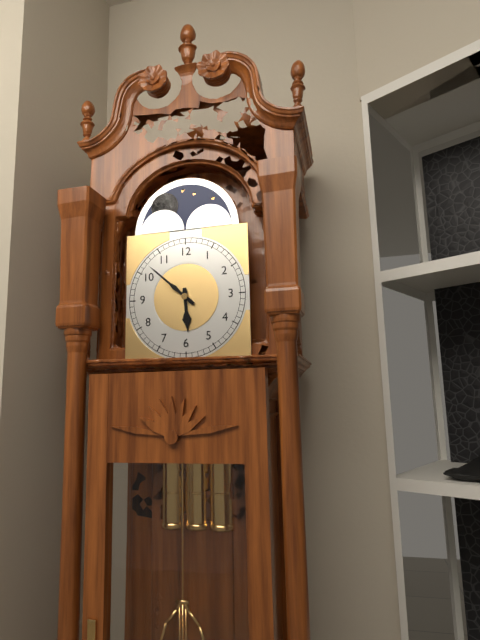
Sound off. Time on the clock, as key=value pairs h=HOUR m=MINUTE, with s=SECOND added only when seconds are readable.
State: h=5 m=52
